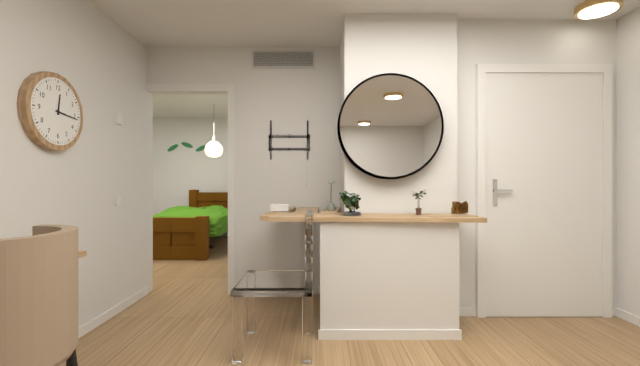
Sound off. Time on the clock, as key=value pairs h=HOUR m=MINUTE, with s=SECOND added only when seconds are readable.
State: h=12 m=16
